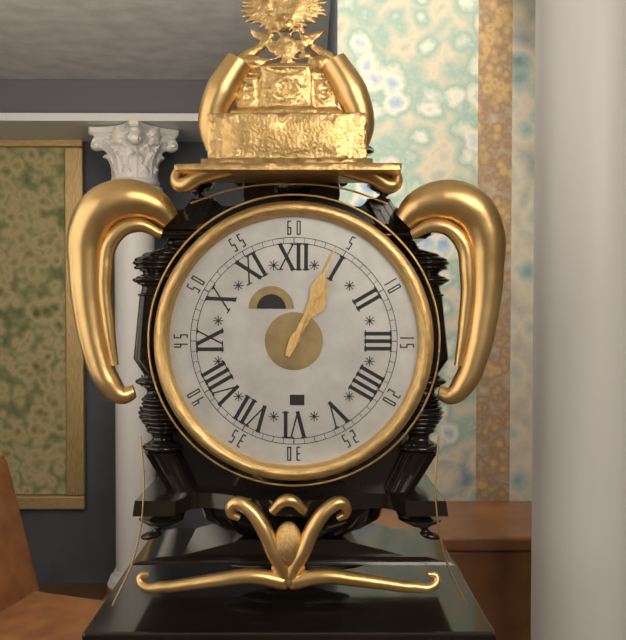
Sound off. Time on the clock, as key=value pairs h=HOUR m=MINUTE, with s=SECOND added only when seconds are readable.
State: h=1 m=4
